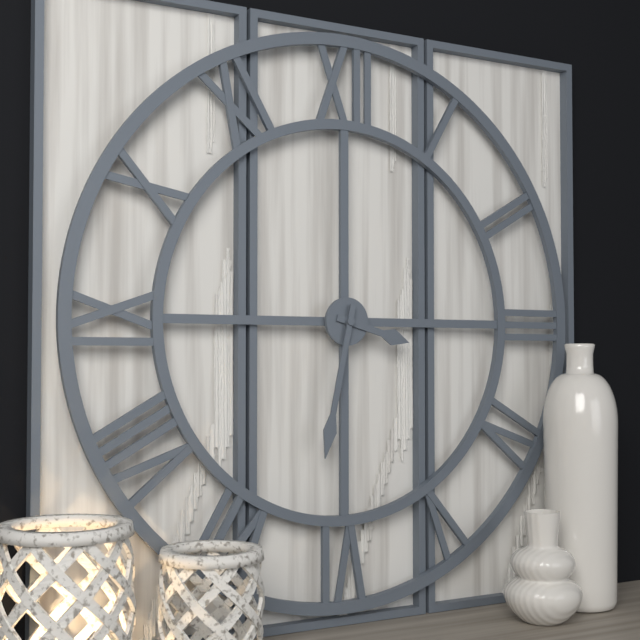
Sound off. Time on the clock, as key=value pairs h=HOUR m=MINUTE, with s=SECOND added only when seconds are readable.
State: h=3 m=32
